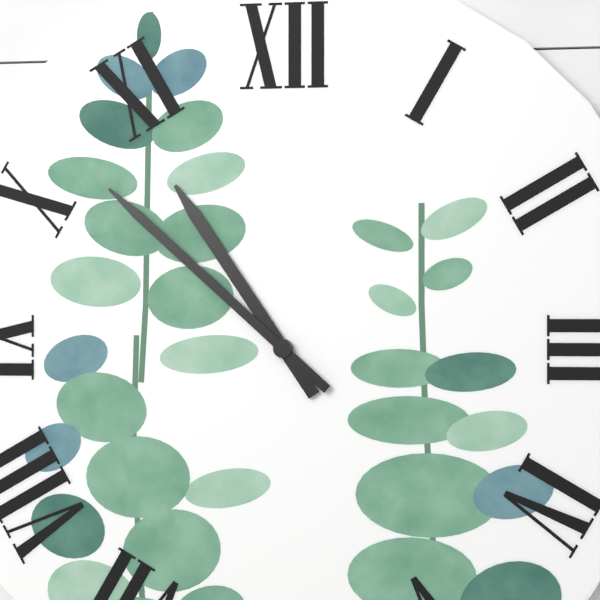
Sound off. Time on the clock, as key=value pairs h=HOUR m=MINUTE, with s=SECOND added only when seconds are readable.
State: h=10 m=52
